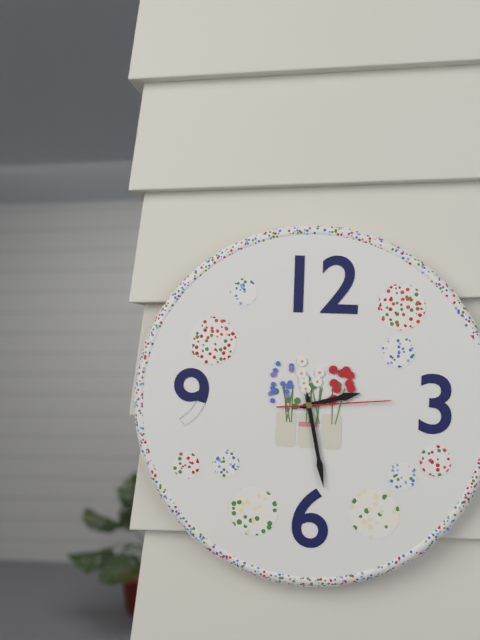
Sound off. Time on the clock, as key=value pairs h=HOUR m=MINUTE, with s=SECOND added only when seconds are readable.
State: h=2 m=28 s=14
